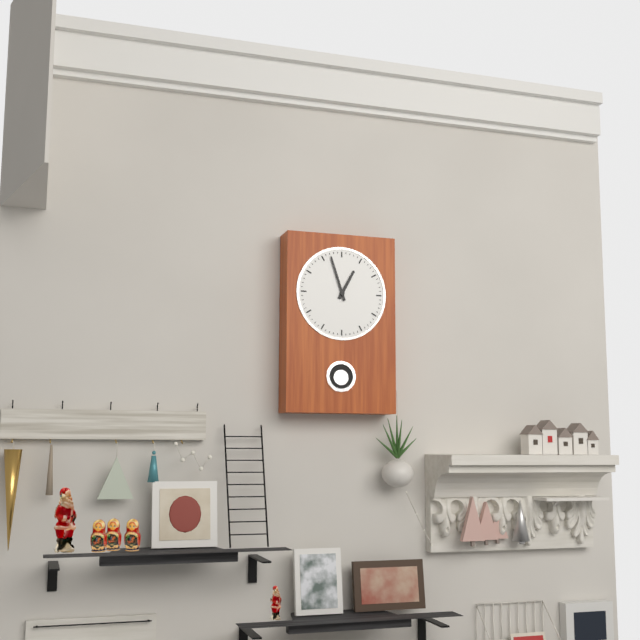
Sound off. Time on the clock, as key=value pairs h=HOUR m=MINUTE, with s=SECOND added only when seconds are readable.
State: h=12 m=57
